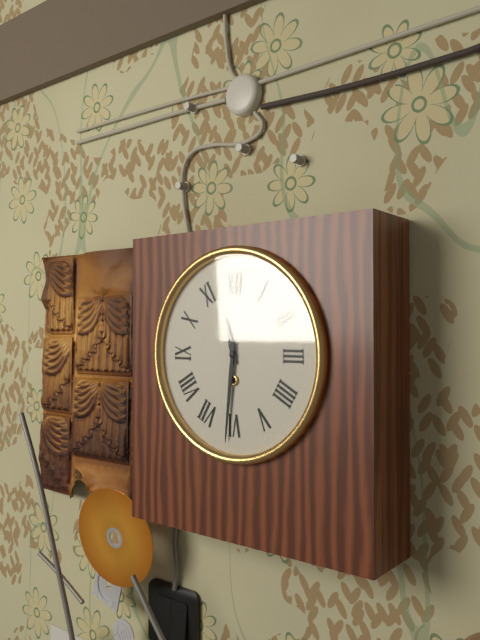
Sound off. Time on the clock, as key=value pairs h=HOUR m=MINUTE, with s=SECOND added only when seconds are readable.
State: h=11 m=31
